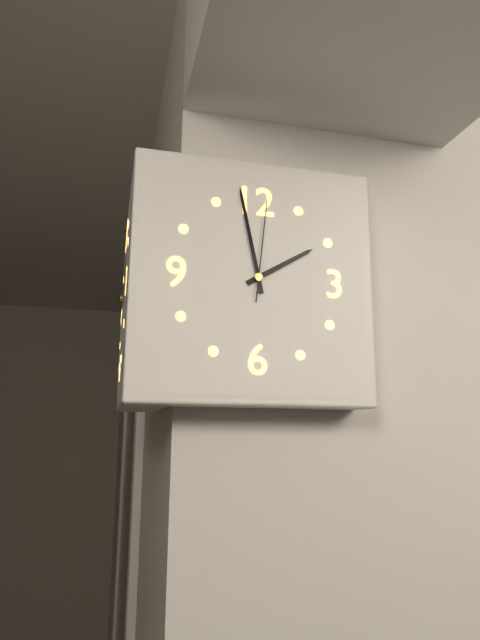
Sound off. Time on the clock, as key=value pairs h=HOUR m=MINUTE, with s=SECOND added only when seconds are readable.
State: h=1 m=58 s=1
